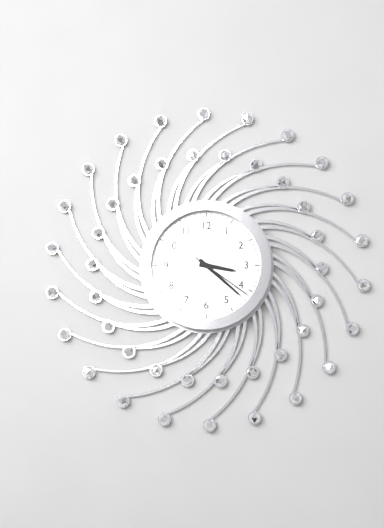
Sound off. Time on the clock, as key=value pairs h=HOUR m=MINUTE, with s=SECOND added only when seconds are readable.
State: h=3 m=22 s=21
